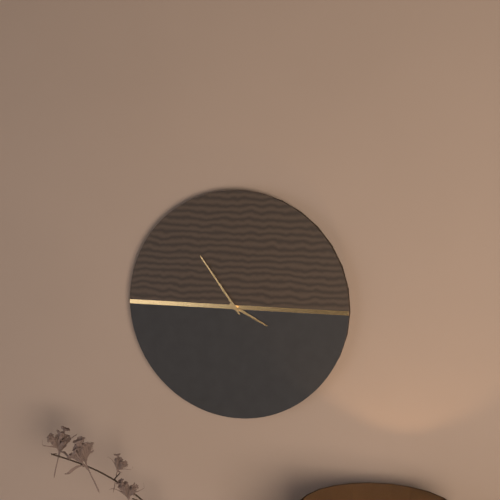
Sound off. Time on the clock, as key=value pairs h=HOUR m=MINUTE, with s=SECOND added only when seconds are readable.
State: h=3 m=54
